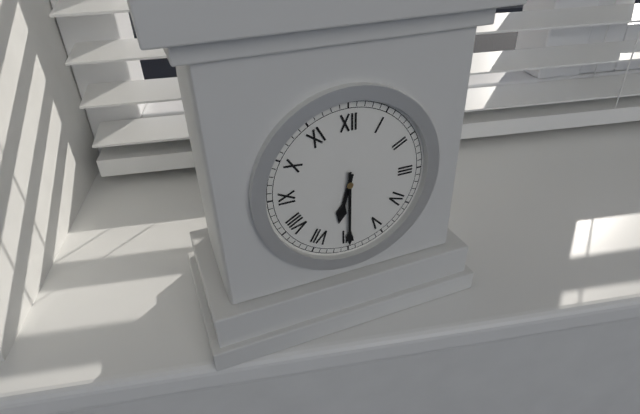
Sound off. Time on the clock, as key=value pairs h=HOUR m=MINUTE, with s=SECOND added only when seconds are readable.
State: h=6 m=30
